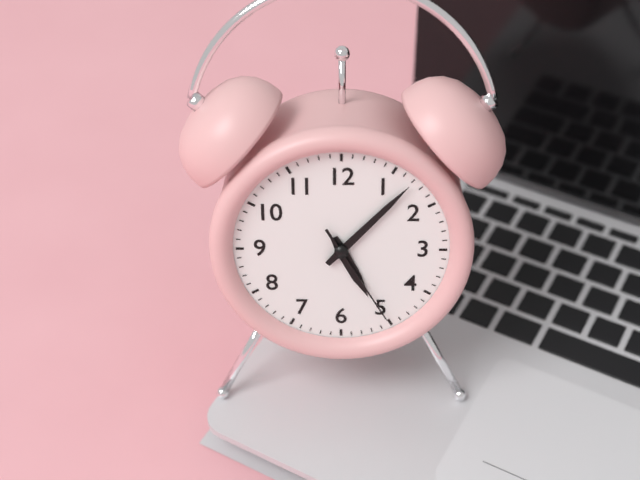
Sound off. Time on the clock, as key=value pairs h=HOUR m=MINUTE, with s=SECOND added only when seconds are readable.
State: h=5 m=7 s=25
